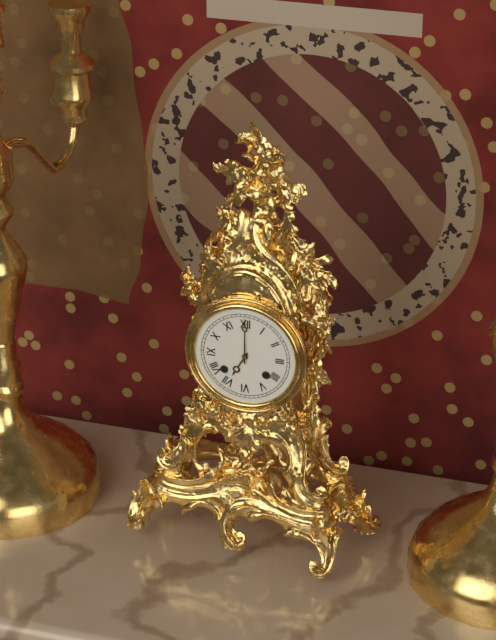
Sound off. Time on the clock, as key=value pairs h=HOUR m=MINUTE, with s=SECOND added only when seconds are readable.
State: h=7 m=0
